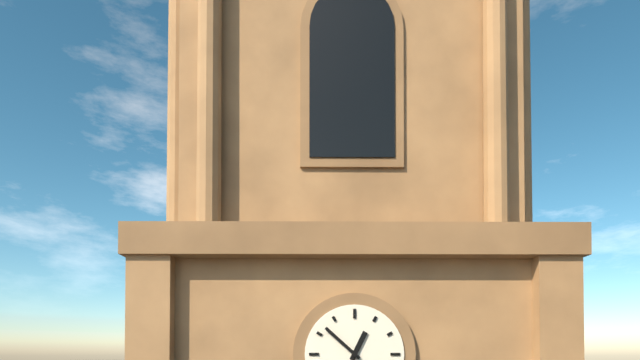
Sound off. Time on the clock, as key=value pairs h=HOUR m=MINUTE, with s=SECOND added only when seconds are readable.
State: h=12 m=52
